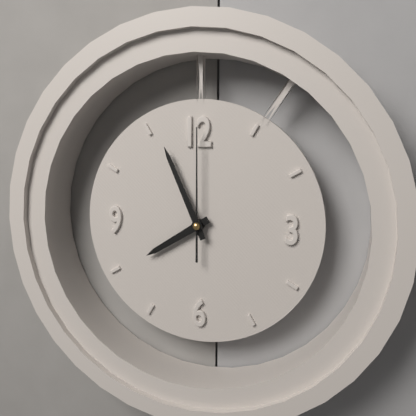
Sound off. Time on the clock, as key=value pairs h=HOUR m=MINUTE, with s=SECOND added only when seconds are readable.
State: h=7 m=56 s=0
